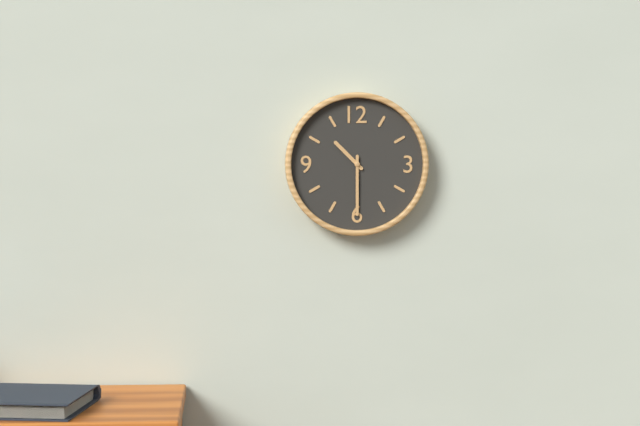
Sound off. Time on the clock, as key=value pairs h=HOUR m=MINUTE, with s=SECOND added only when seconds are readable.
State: h=10 m=30
